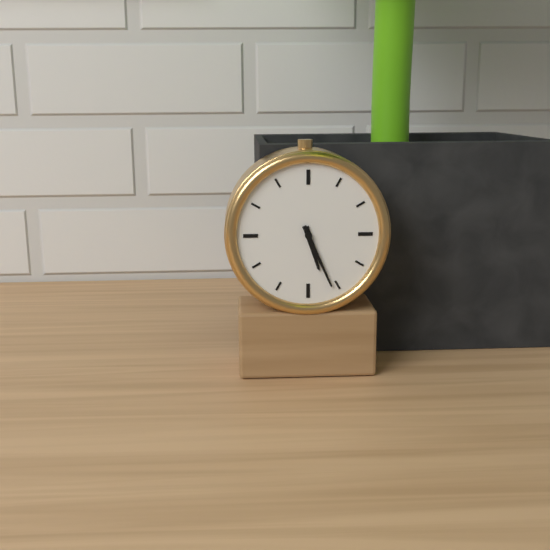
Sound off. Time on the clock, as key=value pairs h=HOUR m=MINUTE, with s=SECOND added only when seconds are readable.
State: h=5 m=26
